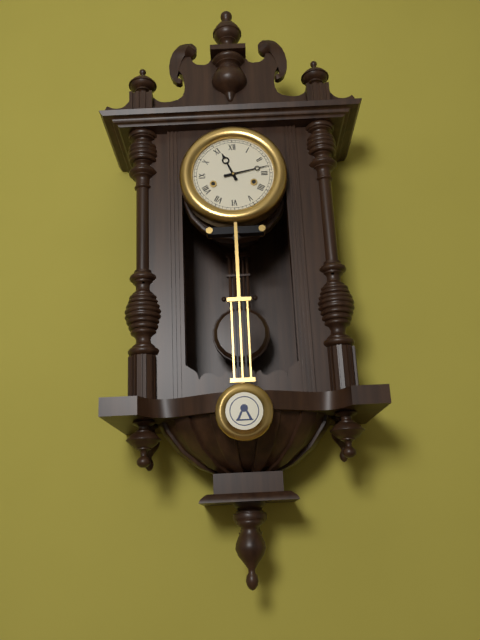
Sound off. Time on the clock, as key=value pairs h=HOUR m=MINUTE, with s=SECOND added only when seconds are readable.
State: h=11 m=13
